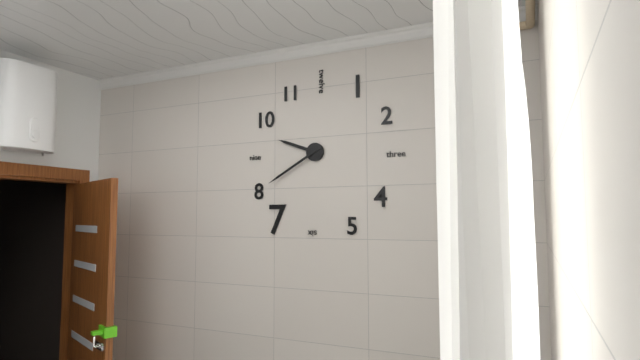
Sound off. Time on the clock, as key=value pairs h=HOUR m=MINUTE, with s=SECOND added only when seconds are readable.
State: h=9 m=40
